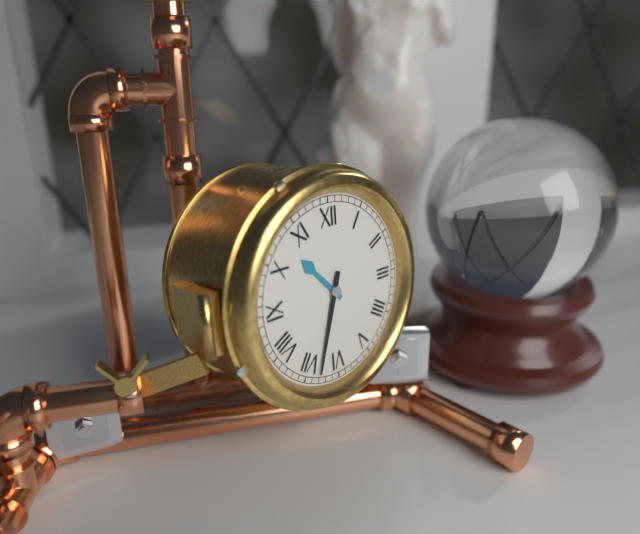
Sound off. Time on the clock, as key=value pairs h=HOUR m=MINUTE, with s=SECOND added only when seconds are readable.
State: h=10 m=33
